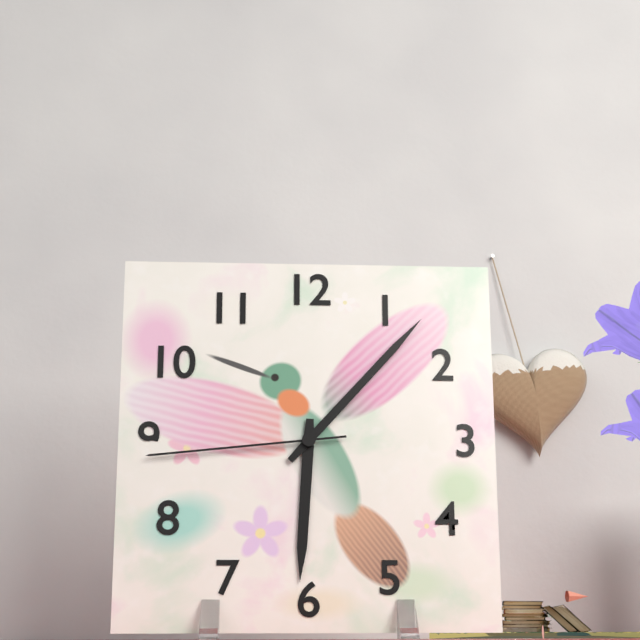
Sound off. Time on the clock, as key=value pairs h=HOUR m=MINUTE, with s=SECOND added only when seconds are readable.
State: h=6 m=7 s=44
